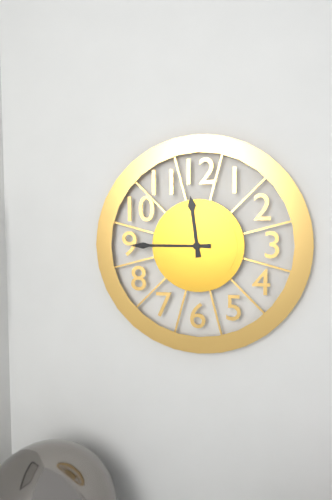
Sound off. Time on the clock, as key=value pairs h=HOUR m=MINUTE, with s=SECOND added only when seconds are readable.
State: h=11 m=45
